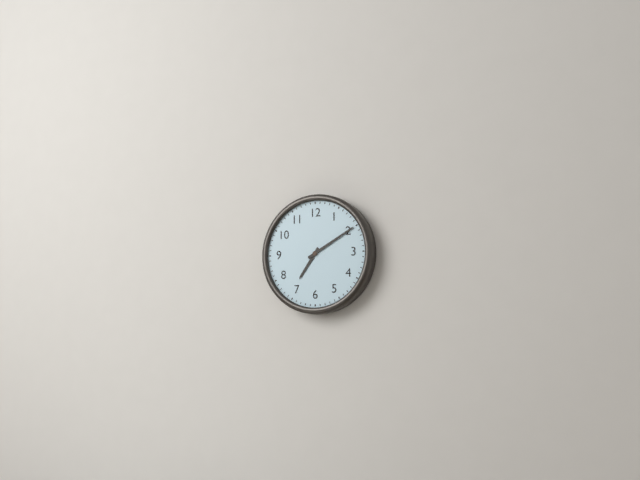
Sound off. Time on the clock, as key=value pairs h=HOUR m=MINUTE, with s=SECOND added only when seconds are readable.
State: h=7 m=10
